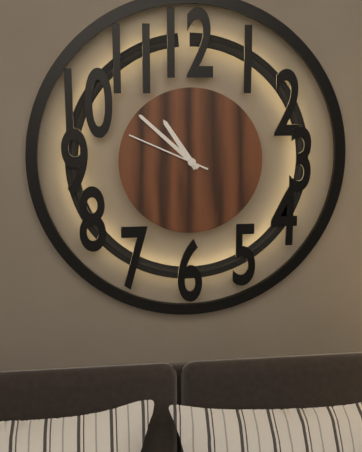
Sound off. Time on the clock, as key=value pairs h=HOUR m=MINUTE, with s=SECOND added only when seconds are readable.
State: h=10 m=52 s=49
